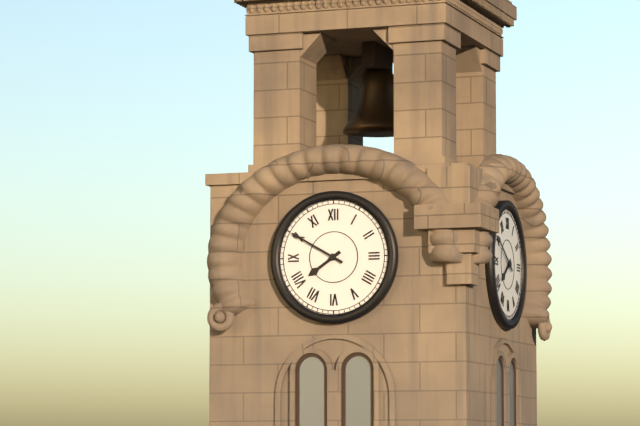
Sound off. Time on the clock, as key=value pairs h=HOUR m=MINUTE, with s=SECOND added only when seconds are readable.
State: h=7 m=50
